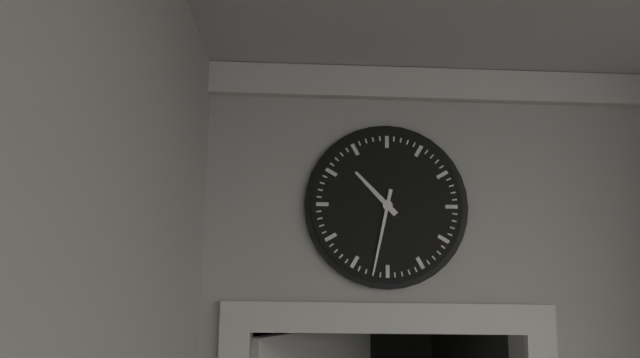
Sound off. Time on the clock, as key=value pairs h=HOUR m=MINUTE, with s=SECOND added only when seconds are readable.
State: h=10 m=32
